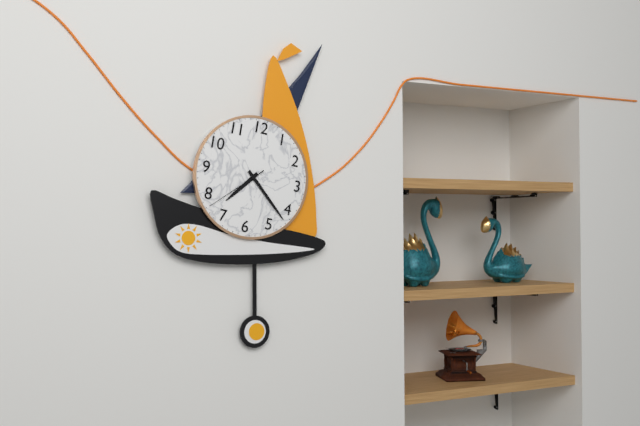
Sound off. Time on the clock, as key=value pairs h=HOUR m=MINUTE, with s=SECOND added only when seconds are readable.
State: h=7 m=22 s=38
